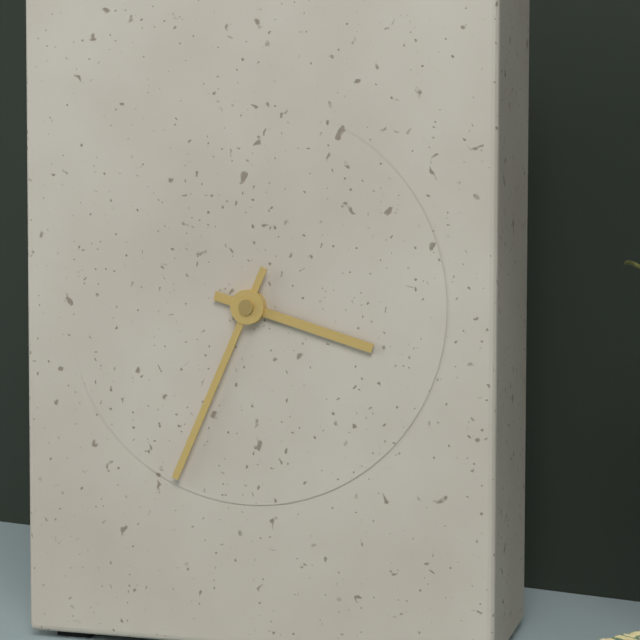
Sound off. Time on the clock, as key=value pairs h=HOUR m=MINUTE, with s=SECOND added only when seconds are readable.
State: h=3 m=34
